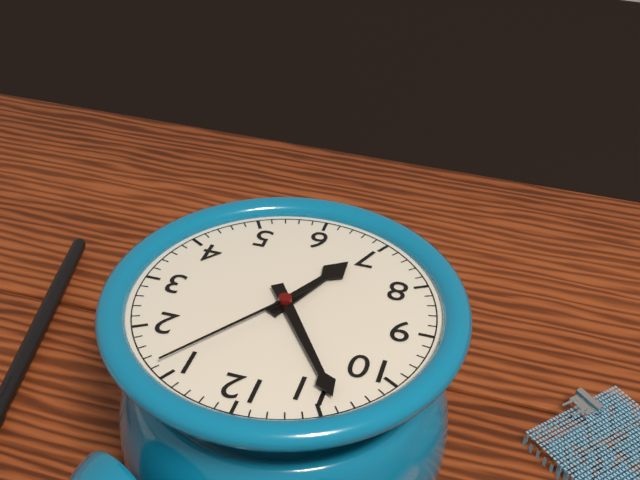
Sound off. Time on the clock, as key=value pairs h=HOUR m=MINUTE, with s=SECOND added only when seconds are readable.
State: h=6 m=54 s=6
